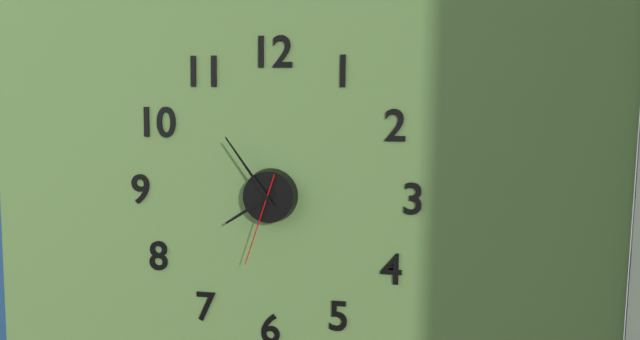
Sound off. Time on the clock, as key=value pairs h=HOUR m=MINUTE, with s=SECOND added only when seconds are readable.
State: h=7 m=54 s=33
